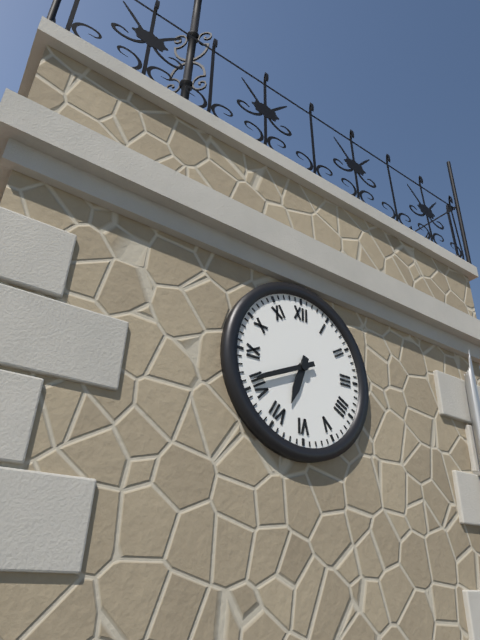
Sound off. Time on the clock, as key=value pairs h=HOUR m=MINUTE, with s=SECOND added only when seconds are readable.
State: h=6 m=41
